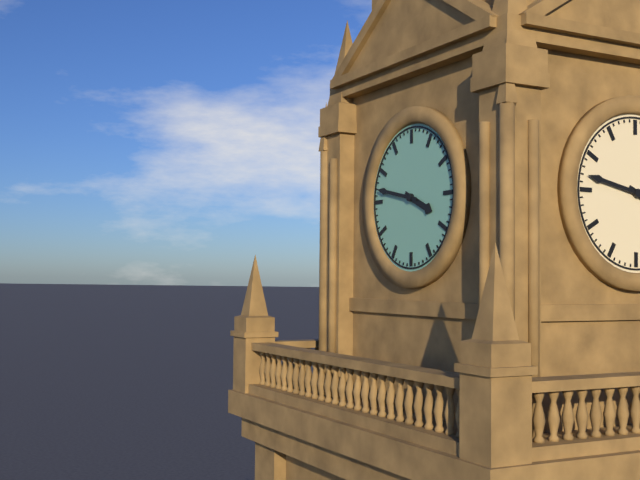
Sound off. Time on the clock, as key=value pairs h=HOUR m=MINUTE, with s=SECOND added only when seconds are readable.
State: h=3 m=47
